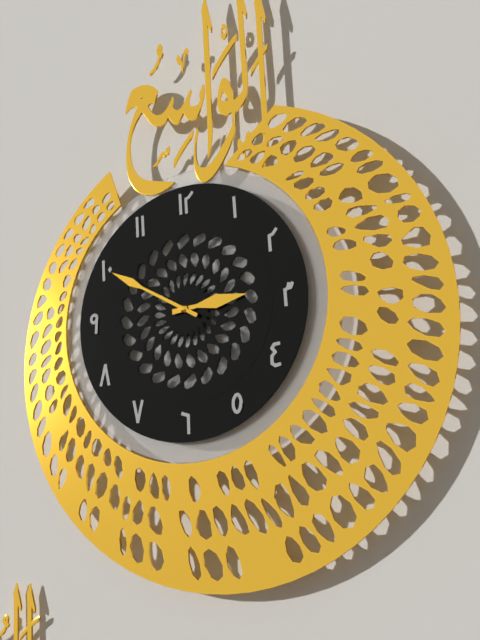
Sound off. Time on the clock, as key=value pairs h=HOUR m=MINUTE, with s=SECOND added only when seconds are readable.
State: h=2 m=50
